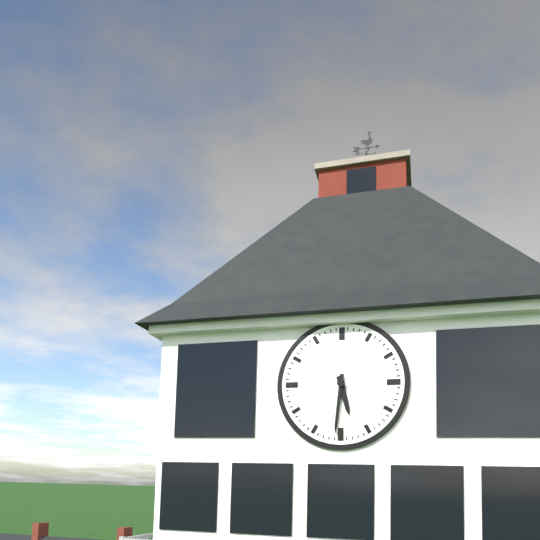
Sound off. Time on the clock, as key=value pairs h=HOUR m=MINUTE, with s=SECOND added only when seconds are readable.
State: h=5 m=31
